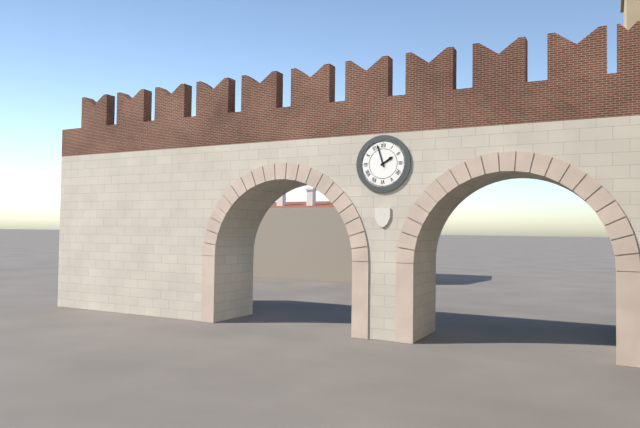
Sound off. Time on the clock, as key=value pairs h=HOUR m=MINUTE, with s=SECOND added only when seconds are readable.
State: h=1 m=57
